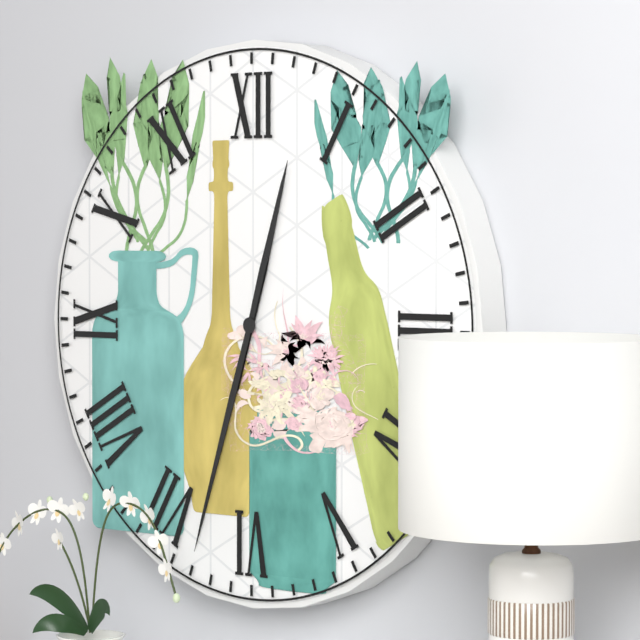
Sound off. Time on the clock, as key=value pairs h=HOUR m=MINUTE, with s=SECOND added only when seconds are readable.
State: h=12 m=33
